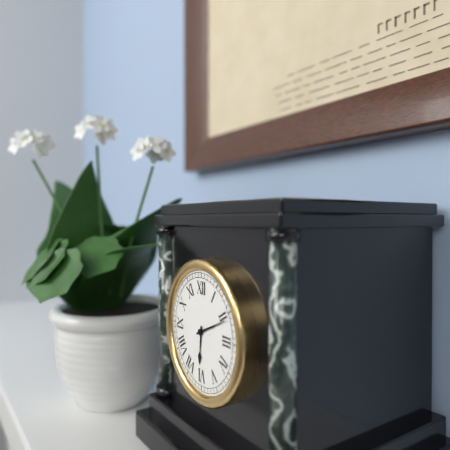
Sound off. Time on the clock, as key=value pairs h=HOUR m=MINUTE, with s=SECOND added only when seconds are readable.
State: h=6 m=11
